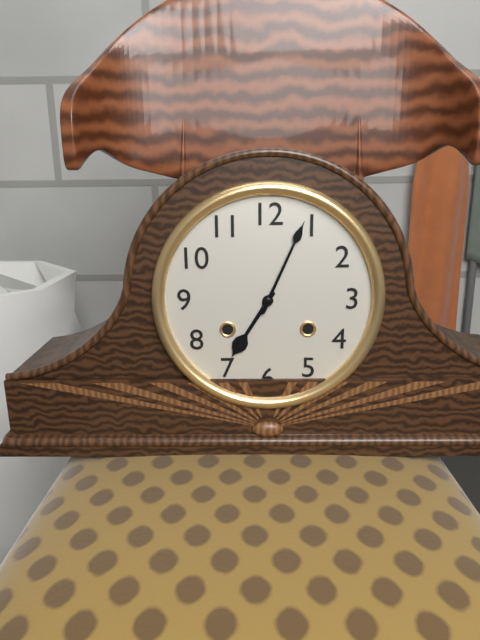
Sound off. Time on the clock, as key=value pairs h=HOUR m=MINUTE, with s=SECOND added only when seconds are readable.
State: h=7 m=4
